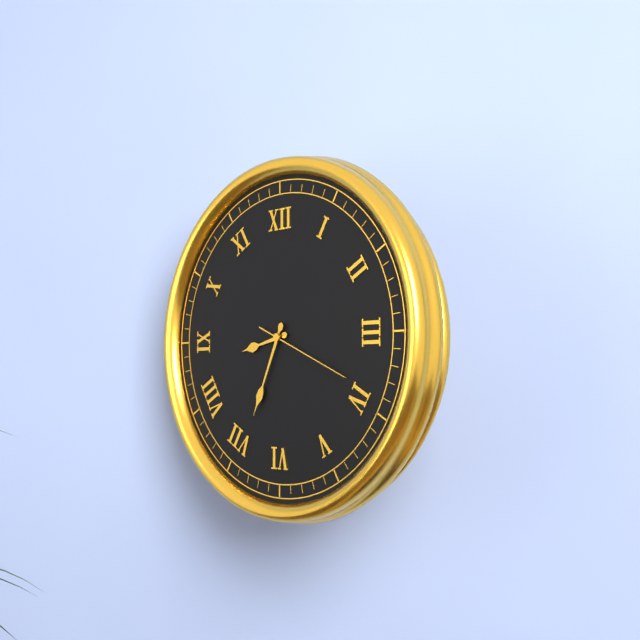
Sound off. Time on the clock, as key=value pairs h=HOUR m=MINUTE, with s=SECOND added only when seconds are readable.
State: h=8 m=34 s=19
